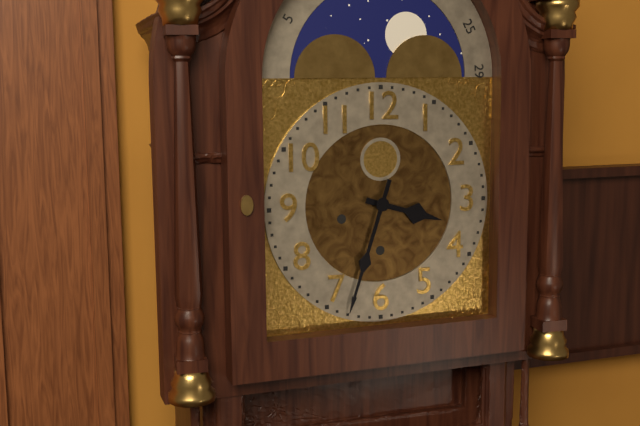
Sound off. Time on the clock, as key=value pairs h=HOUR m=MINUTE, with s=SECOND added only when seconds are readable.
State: h=3 m=33
